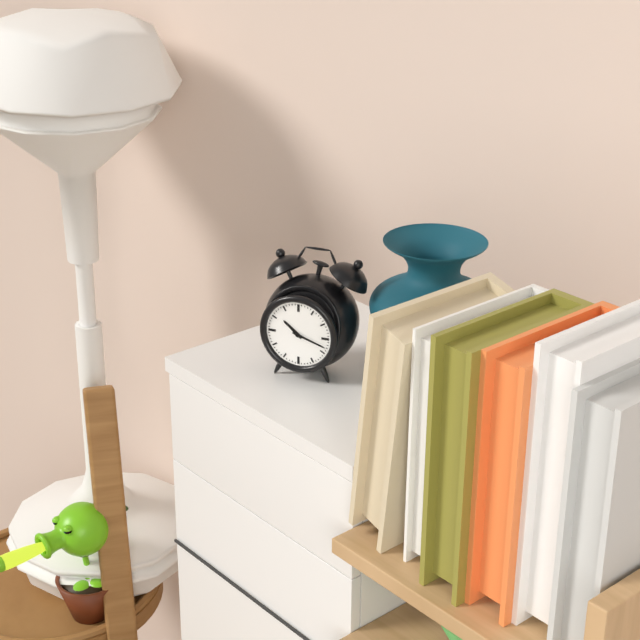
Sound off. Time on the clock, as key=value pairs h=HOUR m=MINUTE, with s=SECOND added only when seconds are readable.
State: h=10 m=18
